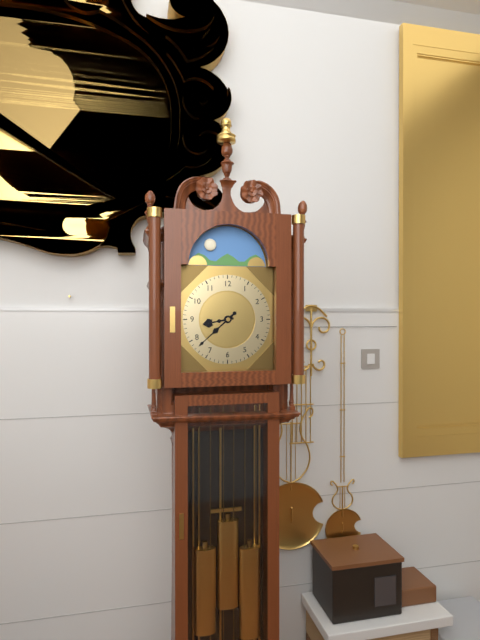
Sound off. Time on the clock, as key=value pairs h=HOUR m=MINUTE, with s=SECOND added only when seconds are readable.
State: h=8 m=38
